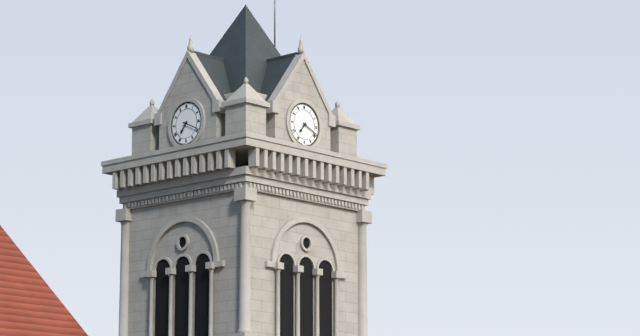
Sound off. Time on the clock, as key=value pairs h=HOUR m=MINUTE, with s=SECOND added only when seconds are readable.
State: h=7 m=19
